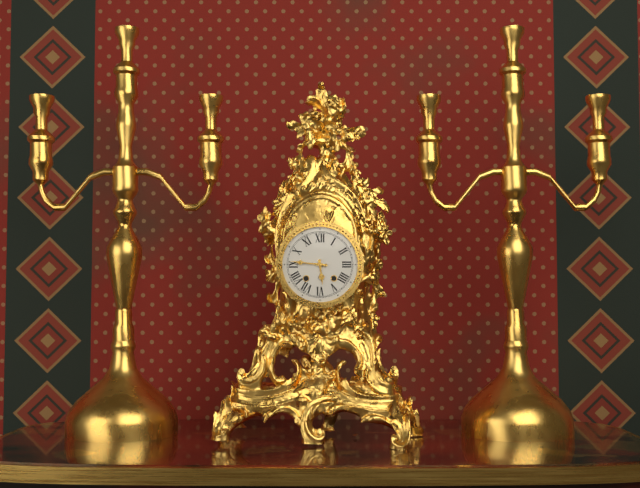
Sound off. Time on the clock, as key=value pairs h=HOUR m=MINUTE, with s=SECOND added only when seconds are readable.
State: h=5 m=46
